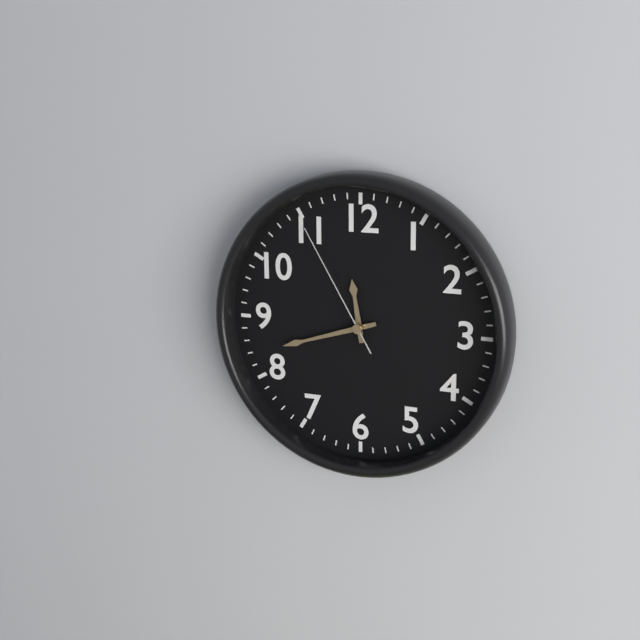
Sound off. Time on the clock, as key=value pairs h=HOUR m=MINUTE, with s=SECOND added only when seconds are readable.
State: h=11 m=42 s=55
